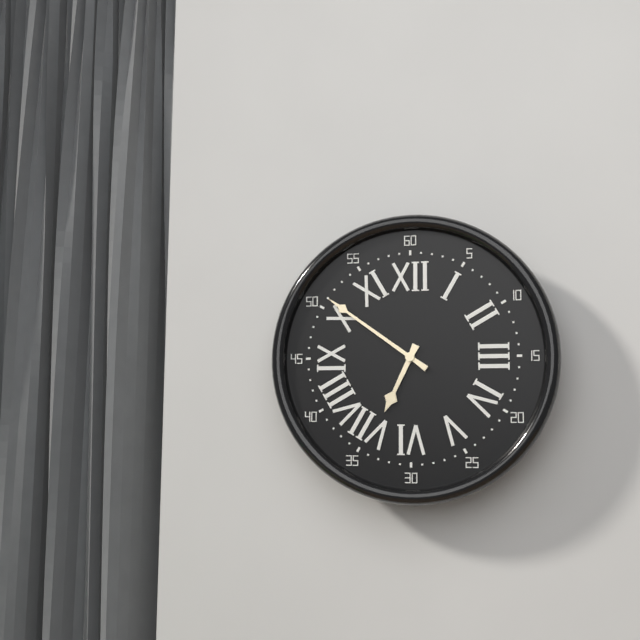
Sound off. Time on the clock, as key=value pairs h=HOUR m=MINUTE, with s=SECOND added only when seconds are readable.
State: h=6 m=51
